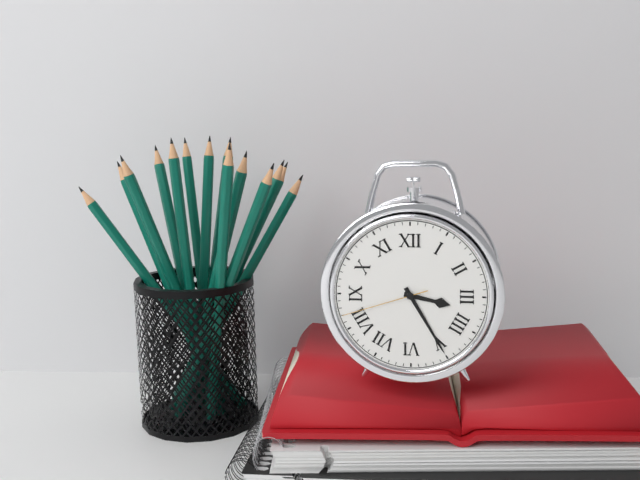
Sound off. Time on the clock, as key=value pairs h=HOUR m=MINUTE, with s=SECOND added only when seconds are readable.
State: h=3 m=25 s=42
